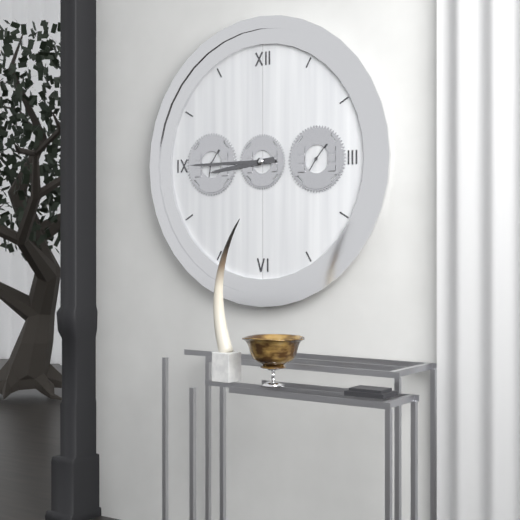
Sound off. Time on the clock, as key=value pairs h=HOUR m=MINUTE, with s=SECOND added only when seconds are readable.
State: h=8 m=45
